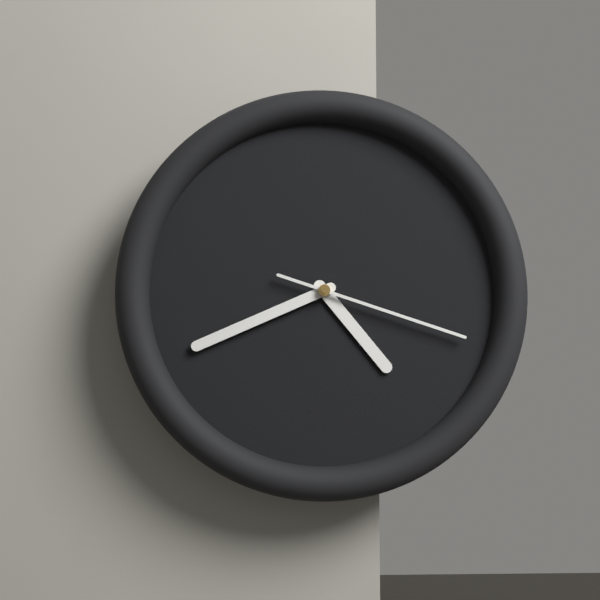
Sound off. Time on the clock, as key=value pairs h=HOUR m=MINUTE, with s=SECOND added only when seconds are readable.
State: h=4 m=41 s=18
